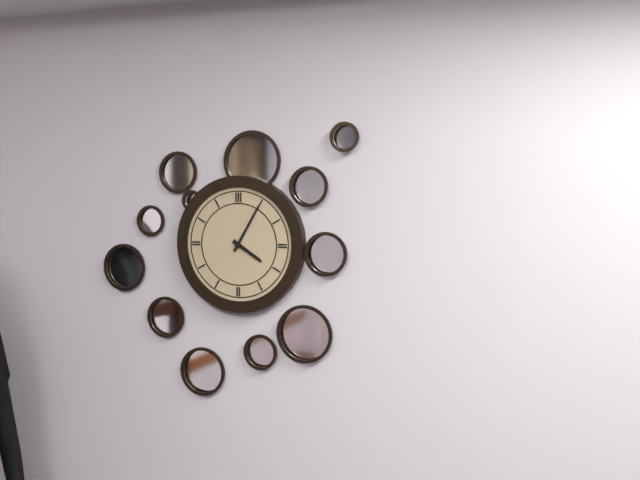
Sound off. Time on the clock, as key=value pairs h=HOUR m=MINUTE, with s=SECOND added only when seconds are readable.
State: h=4 m=5
